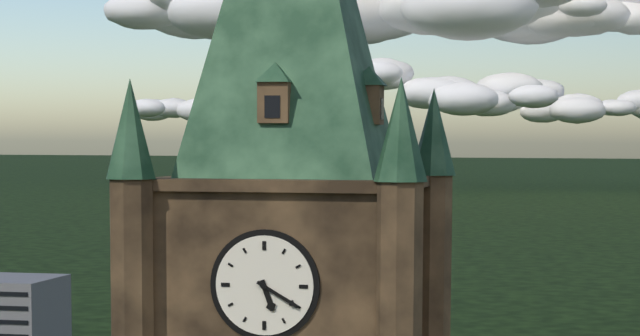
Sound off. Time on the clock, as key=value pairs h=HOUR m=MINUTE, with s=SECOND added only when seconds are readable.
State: h=5 m=20
